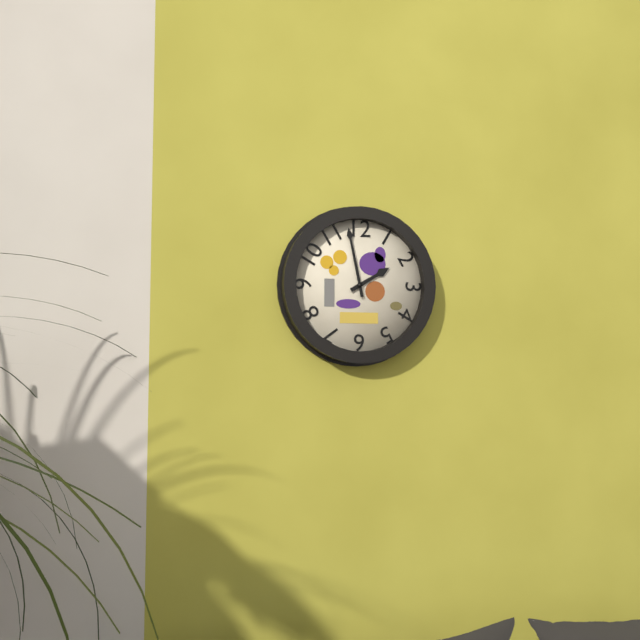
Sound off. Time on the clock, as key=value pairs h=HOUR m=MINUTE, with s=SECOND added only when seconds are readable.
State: h=1 m=58
